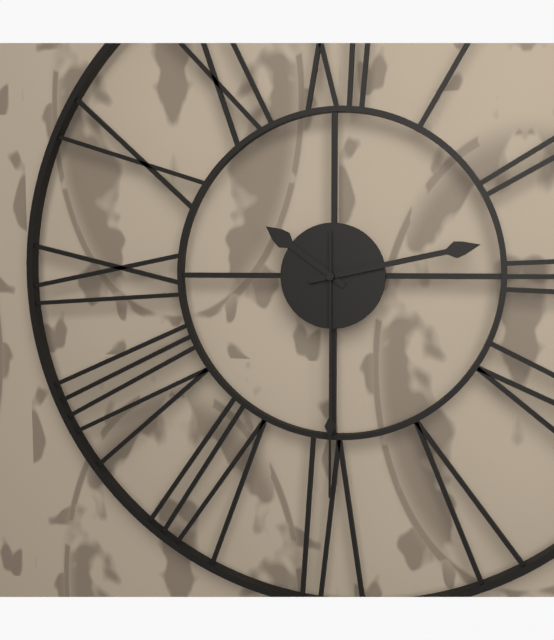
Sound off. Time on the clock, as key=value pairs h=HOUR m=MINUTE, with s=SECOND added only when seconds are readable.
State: h=10 m=13 s=30
